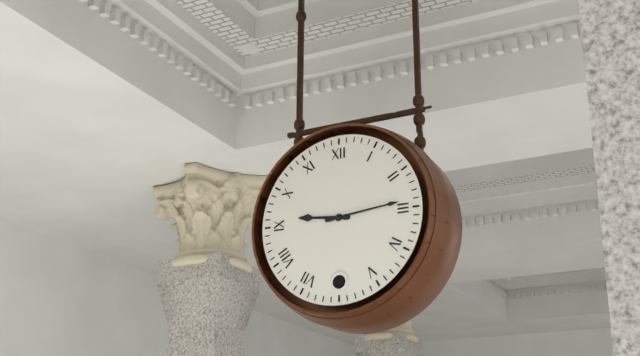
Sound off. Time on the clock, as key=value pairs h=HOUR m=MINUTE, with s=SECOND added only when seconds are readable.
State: h=9 m=14
